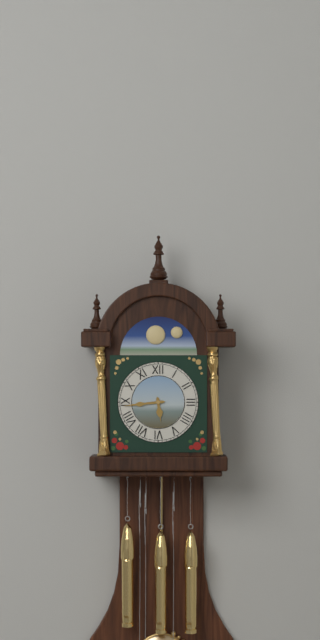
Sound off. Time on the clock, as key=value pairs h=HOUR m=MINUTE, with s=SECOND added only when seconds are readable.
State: h=5 m=44
